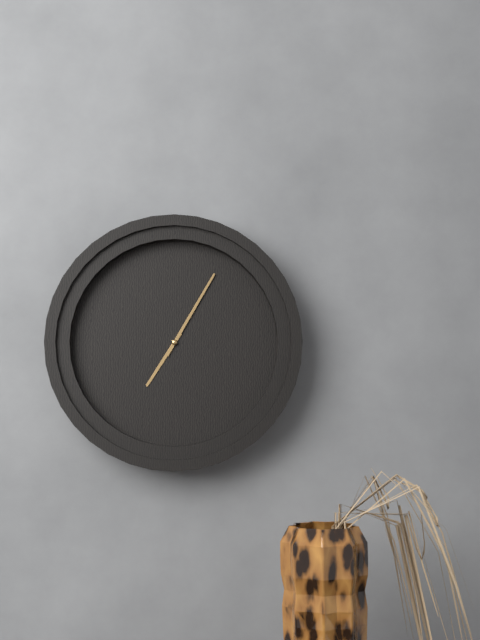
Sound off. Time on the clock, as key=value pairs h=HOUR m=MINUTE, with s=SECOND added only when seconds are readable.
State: h=7 m=5
